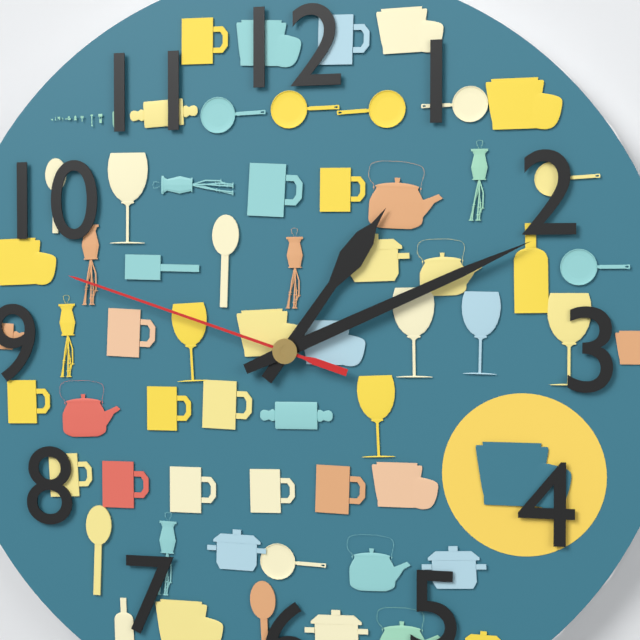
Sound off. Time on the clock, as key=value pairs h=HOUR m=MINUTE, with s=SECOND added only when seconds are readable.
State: h=1 m=11 s=48
